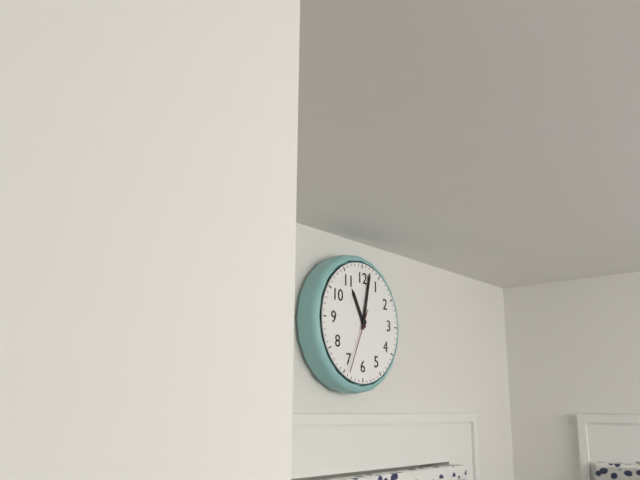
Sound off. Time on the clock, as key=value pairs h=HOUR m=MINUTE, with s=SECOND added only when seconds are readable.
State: h=11 m=2 s=34
